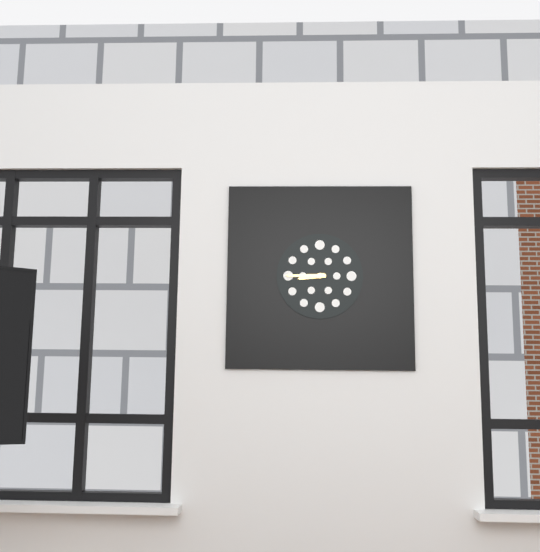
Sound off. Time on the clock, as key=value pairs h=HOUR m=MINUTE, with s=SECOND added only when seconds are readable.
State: h=8 m=45
